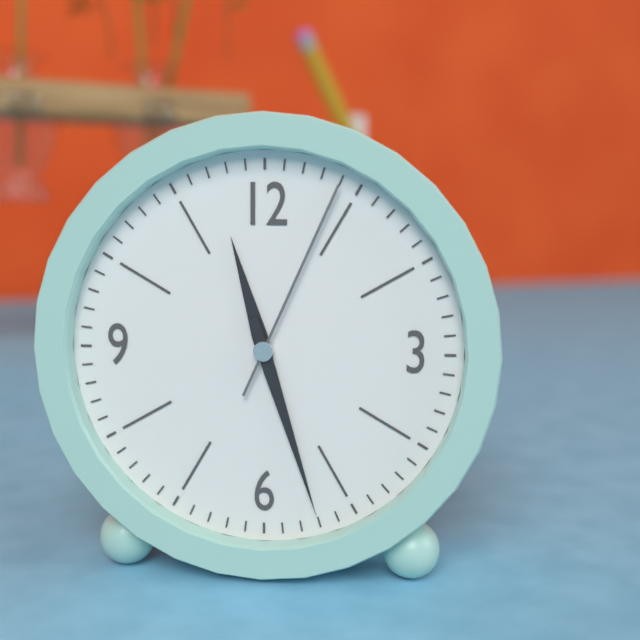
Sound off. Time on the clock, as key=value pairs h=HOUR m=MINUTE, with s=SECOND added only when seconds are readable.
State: h=11 m=27 s=4
